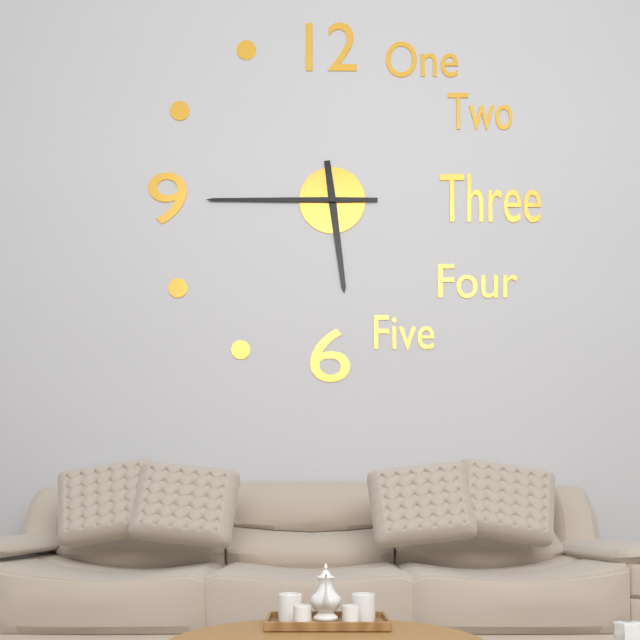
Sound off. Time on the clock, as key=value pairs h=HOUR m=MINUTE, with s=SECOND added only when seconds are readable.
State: h=5 m=45
